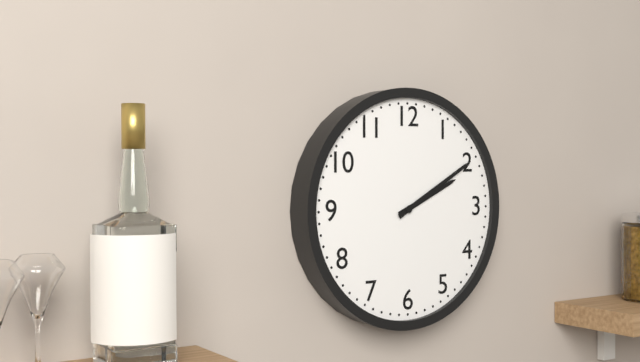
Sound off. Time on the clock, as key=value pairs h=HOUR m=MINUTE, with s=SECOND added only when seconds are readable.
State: h=2 m=10
